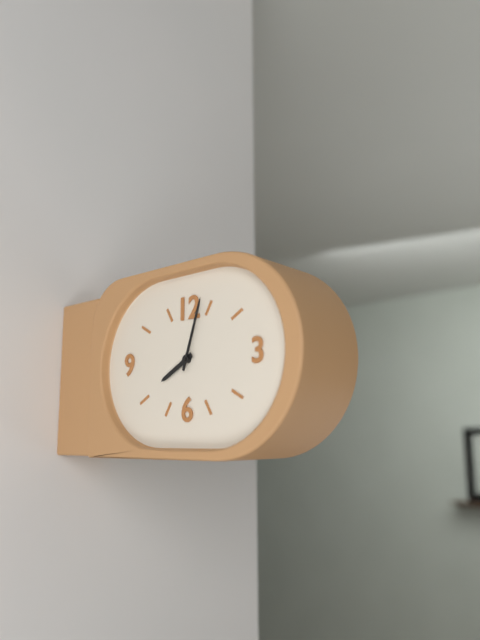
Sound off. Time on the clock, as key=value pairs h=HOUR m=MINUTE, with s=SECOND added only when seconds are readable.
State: h=8 m=3
